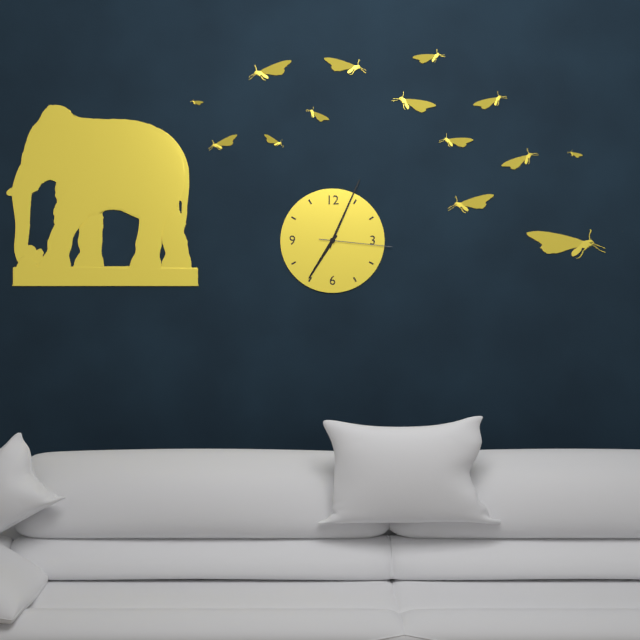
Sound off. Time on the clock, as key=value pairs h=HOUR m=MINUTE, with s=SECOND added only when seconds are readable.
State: h=7 m=4 s=16
